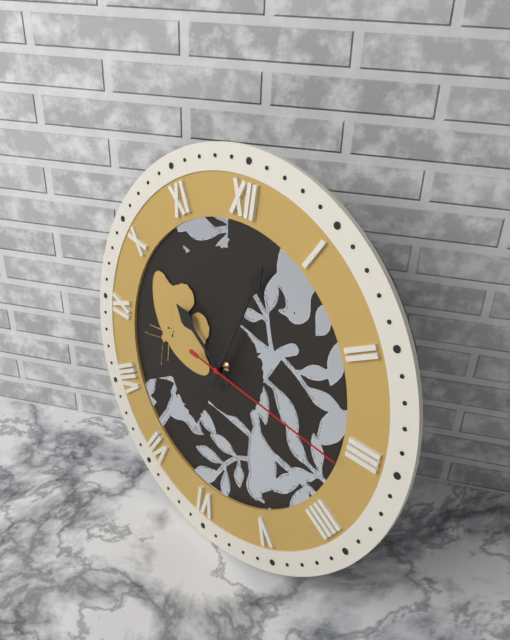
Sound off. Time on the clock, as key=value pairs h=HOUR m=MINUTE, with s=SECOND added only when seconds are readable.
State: h=10 m=3 s=16
